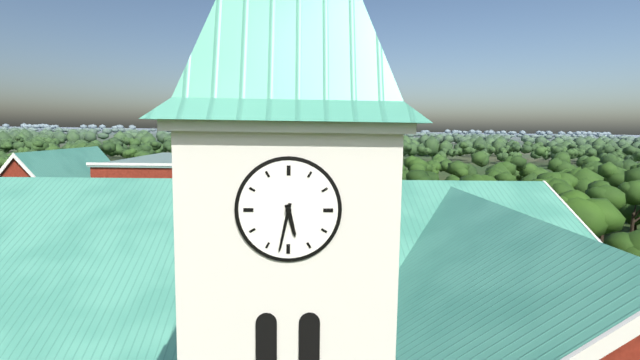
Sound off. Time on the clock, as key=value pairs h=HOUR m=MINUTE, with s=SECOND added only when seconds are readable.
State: h=5 m=32
